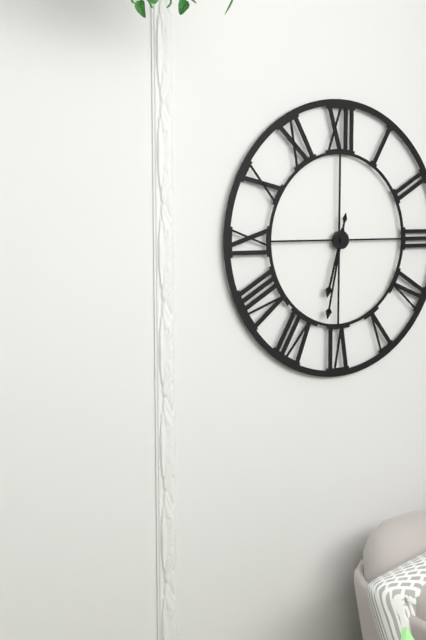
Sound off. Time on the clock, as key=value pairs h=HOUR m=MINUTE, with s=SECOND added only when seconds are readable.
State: h=6 m=32
